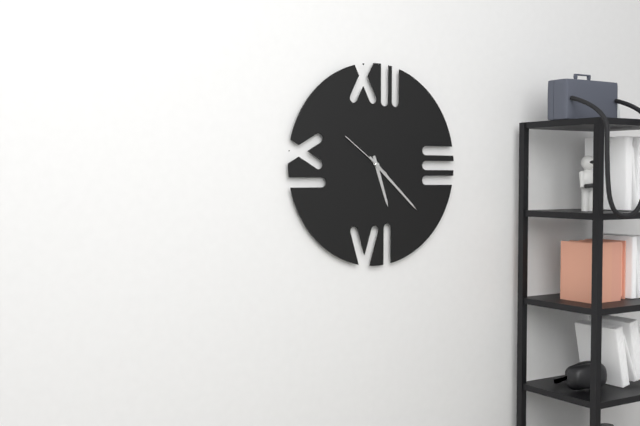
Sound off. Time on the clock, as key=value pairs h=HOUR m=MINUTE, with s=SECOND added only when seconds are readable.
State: h=5 m=22 s=51
